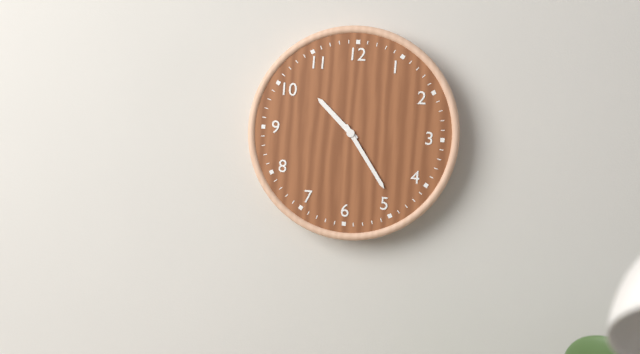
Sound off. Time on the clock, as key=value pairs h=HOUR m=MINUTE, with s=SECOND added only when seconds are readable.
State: h=10 m=24
